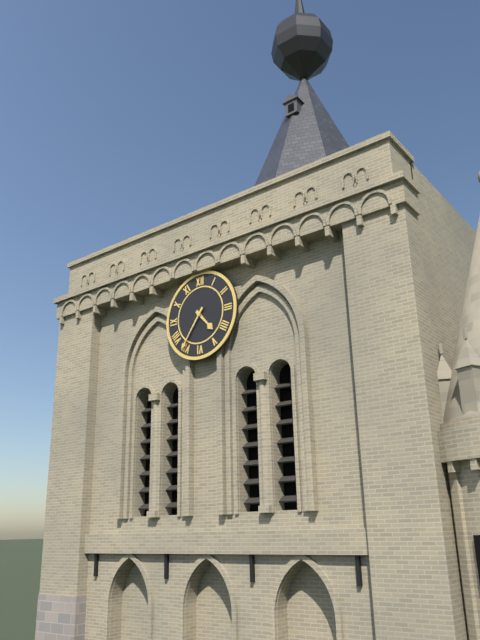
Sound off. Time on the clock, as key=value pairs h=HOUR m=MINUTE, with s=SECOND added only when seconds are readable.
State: h=4 m=36
